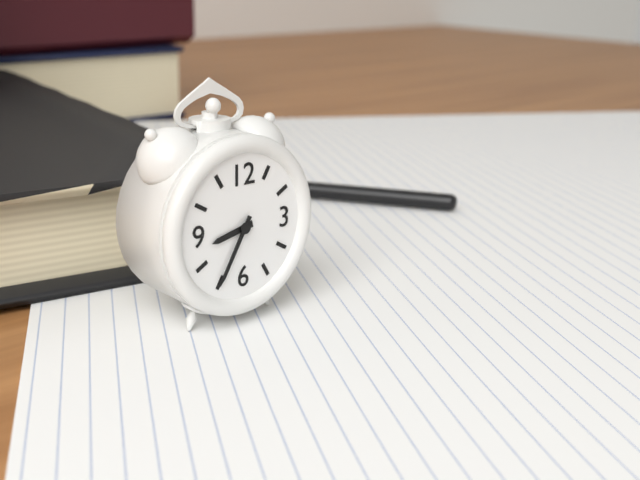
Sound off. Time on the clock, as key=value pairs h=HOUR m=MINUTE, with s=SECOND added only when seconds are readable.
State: h=8 m=35
